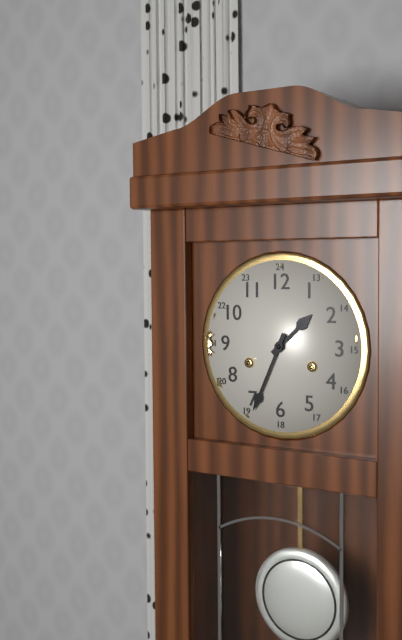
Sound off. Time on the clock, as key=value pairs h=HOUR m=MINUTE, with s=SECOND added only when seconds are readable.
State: h=1 m=34
